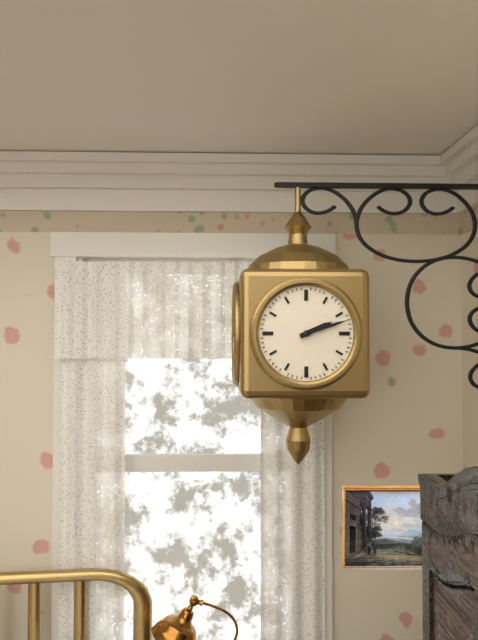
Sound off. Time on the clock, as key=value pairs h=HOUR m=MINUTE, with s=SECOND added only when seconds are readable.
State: h=2 m=12
